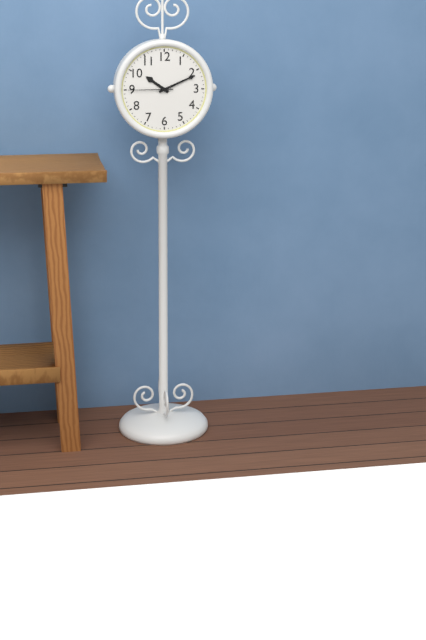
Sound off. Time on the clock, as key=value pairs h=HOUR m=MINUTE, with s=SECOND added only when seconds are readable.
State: h=10 m=11
